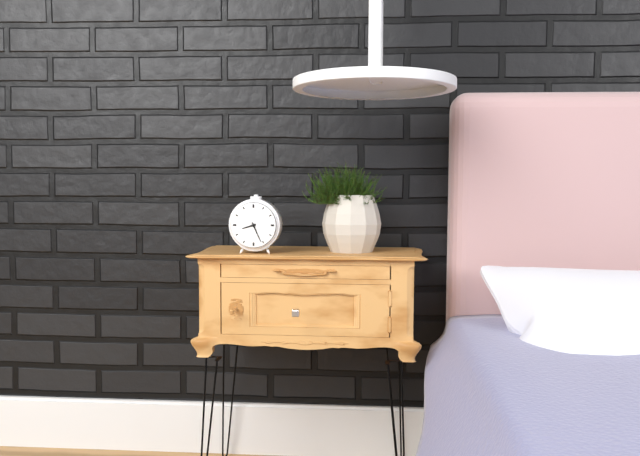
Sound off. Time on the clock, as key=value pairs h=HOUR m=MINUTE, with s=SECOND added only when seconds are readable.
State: h=8 m=26
